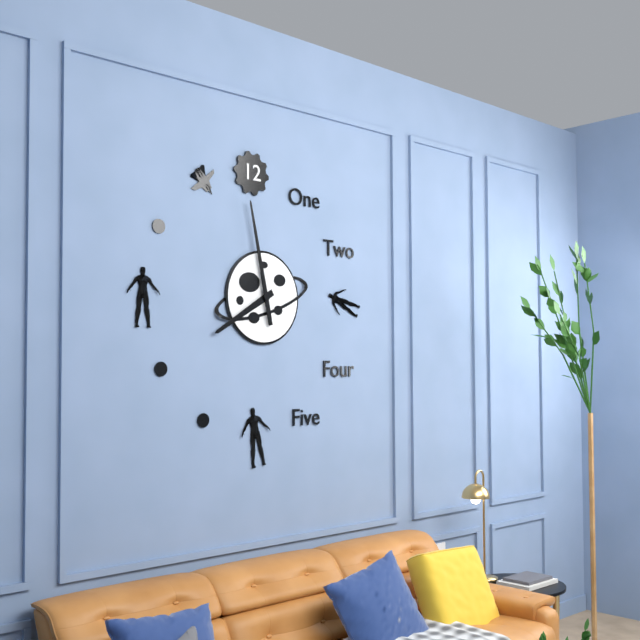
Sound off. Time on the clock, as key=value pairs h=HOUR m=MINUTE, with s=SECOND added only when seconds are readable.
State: h=7 m=58
